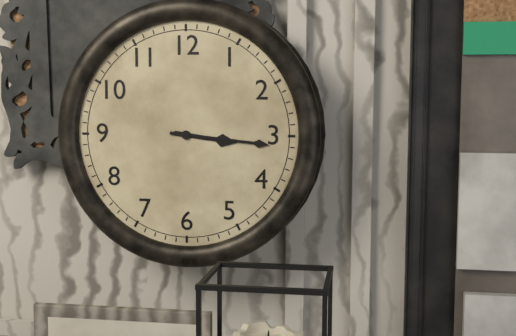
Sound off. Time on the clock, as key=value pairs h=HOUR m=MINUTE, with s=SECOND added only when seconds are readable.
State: h=3 m=16
